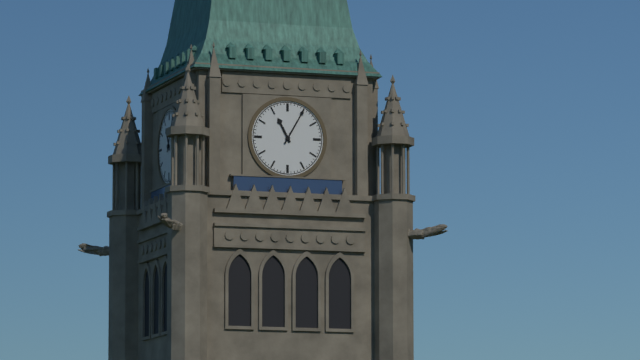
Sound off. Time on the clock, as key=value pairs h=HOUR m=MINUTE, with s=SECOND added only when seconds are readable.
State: h=11 m=5
